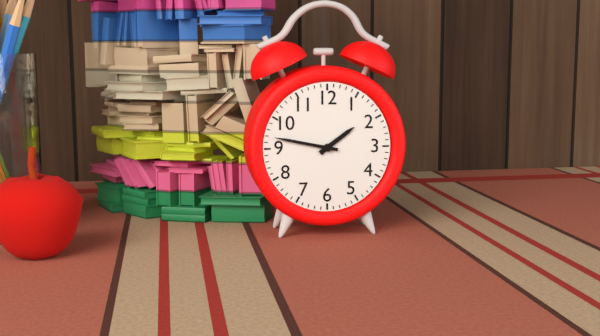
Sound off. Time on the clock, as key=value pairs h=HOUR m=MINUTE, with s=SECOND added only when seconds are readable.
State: h=1 m=47
